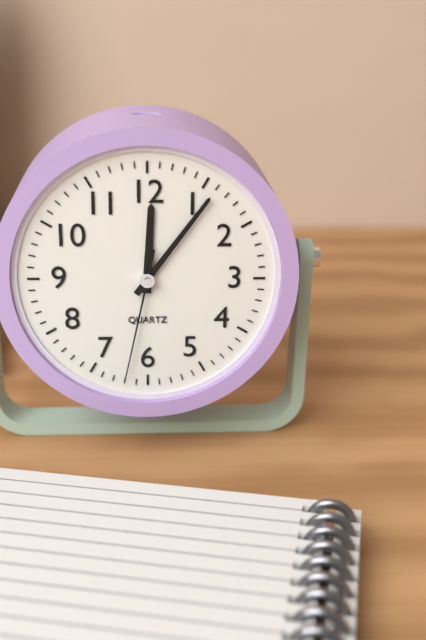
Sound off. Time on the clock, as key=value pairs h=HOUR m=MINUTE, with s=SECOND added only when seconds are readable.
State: h=12 m=6 s=32
